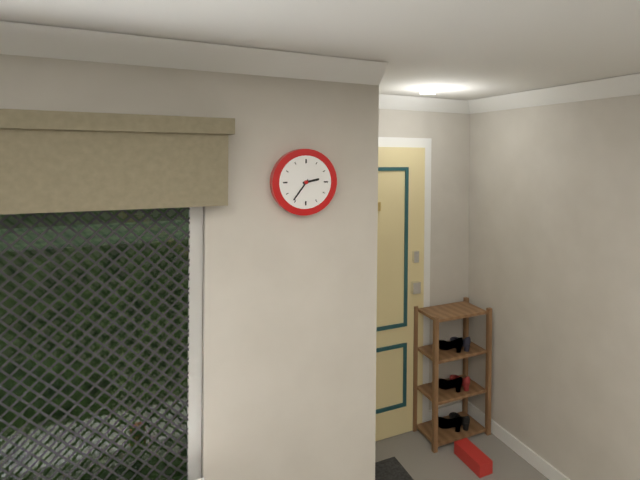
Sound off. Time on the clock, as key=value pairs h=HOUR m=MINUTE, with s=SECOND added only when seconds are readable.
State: h=2 m=36
